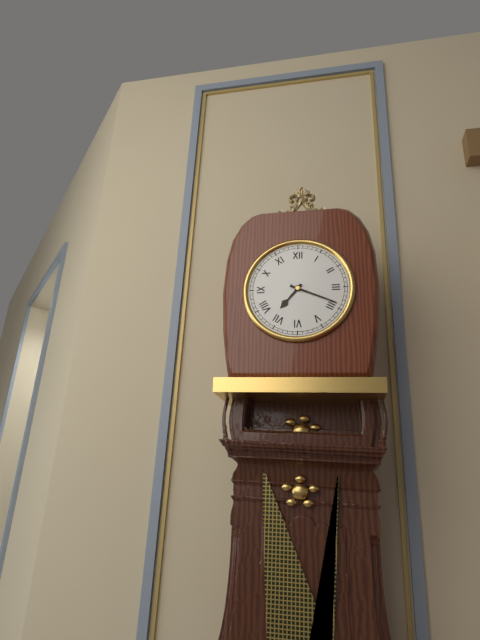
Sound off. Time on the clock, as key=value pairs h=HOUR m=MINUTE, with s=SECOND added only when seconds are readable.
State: h=7 m=19
